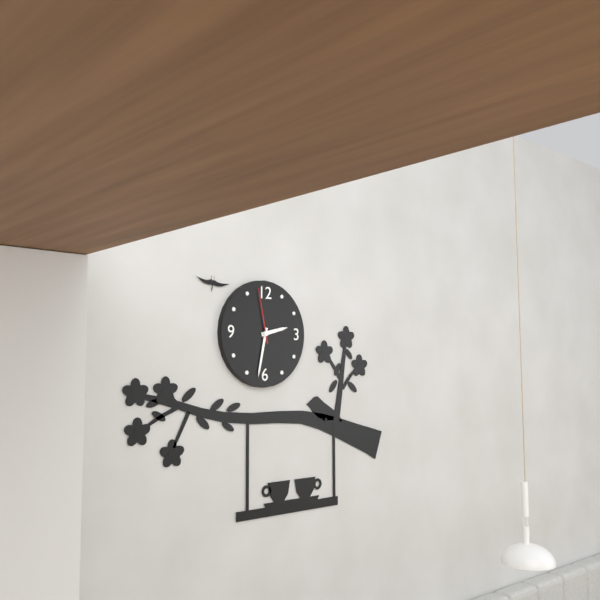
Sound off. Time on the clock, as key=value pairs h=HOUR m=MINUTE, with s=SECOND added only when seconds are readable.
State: h=2 m=32 s=58
